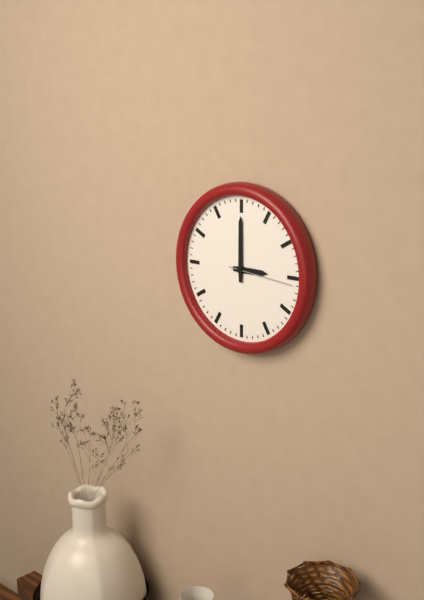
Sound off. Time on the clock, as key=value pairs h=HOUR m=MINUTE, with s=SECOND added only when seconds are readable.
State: h=3 m=0 s=16
